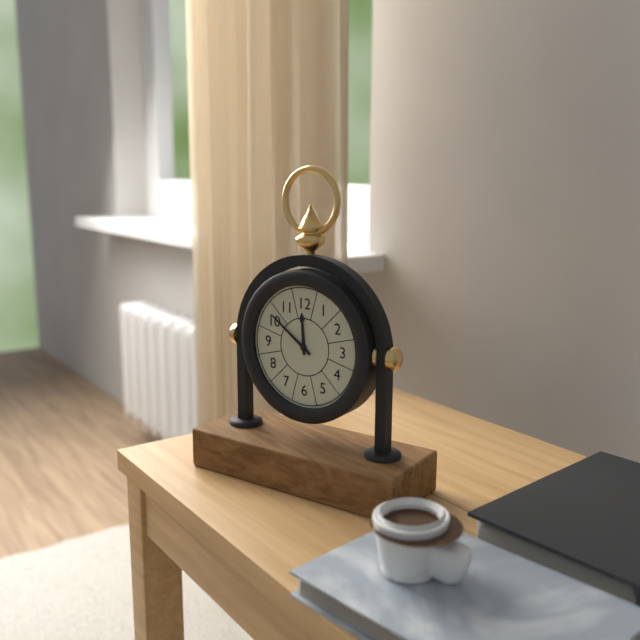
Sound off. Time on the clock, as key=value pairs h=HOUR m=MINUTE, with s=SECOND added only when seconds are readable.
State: h=11 m=51
